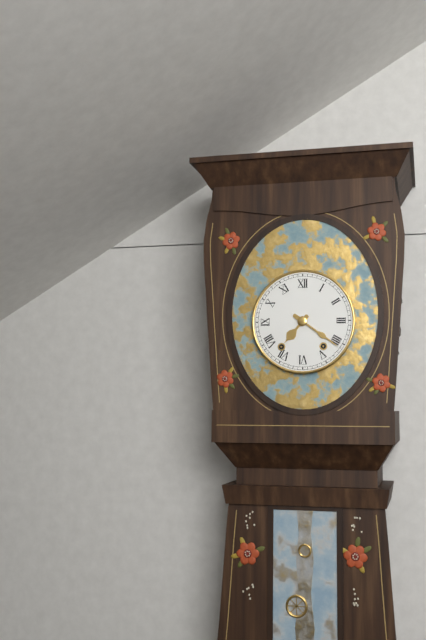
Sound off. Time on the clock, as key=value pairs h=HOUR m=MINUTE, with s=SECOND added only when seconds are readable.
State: h=7 m=21
